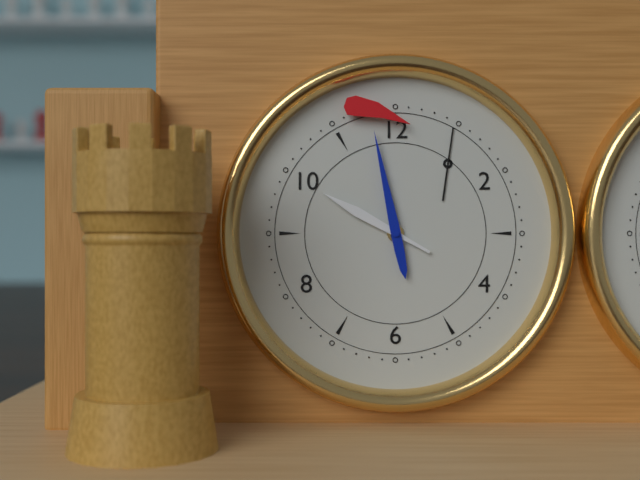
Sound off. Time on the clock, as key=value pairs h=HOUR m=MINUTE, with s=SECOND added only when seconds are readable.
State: h=9 m=58
